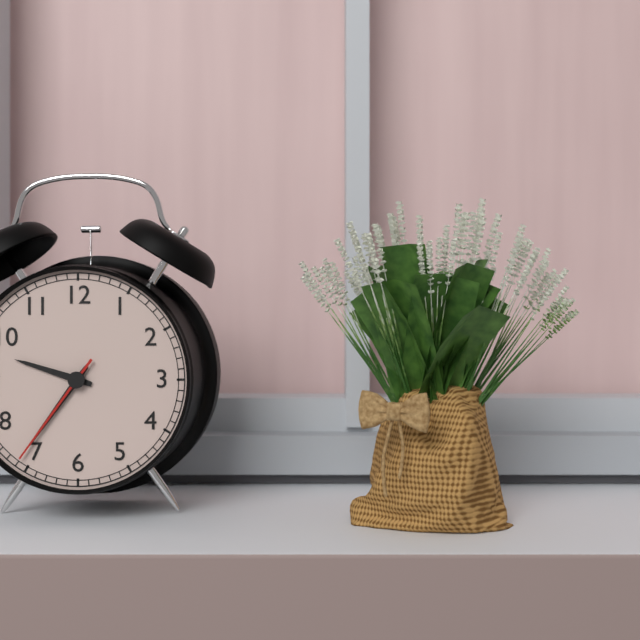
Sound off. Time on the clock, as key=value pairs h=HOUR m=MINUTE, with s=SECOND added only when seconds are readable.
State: h=9 m=36 s=36
